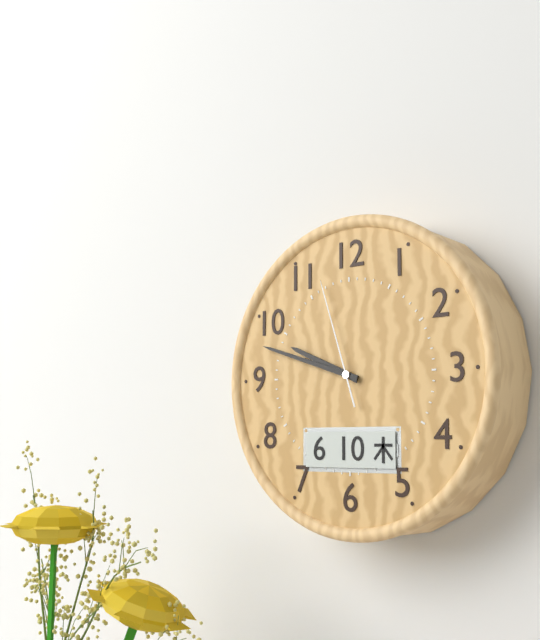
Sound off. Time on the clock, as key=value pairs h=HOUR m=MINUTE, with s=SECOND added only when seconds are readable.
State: h=9 m=48 s=57
